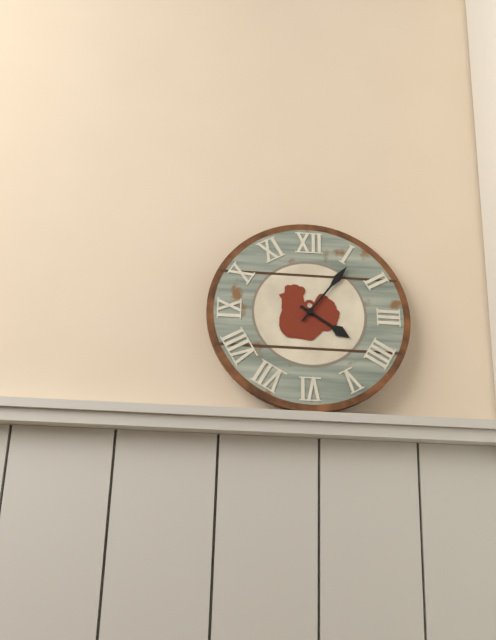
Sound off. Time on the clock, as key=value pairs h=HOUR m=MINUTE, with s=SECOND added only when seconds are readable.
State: h=4 m=6
